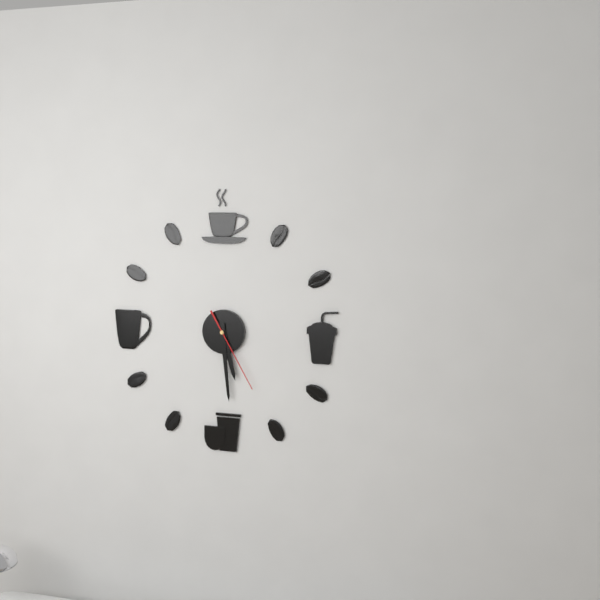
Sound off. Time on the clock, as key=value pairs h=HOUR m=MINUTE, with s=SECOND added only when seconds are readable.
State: h=5 m=29 s=25
